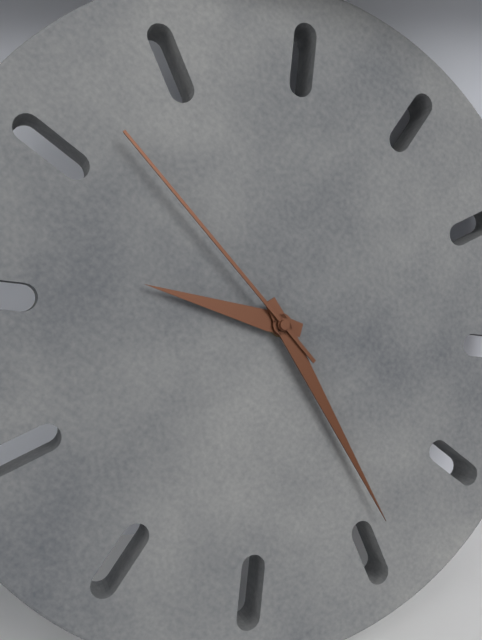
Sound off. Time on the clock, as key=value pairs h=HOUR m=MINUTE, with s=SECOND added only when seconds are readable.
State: h=8 m=19 s=47
